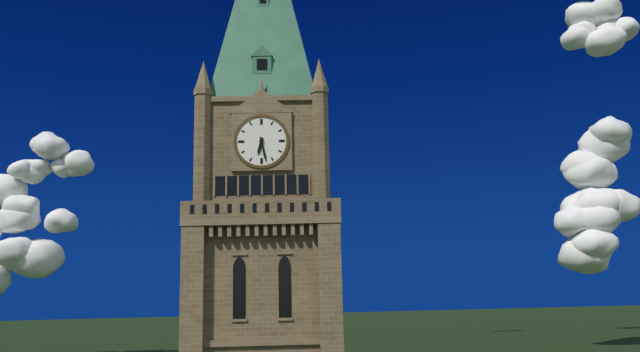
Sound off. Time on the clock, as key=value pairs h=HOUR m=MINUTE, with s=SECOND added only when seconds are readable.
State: h=6 m=28
